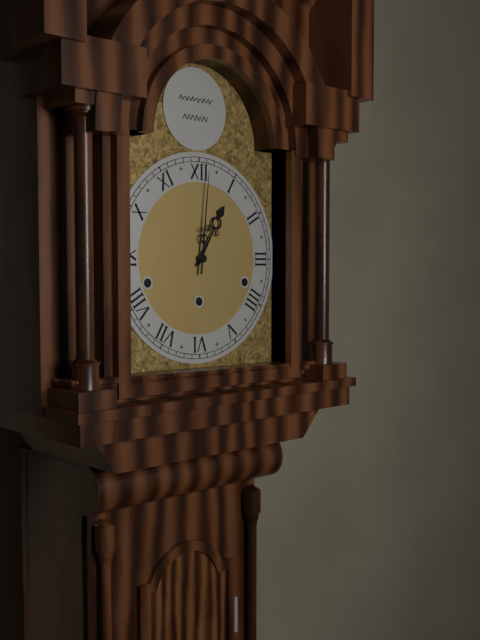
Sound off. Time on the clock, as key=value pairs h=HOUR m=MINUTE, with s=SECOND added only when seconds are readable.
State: h=1 m=1
